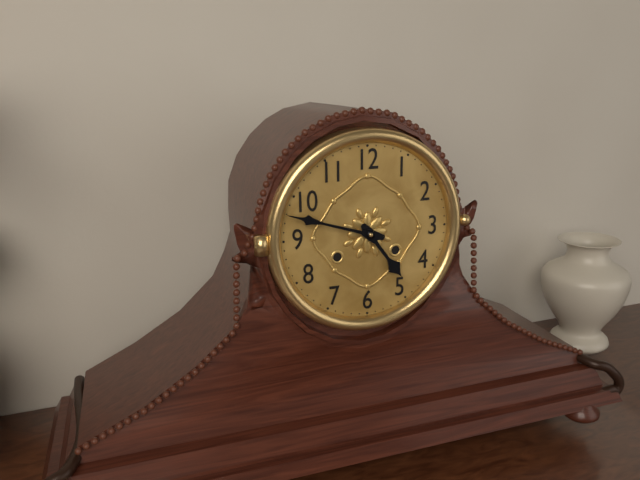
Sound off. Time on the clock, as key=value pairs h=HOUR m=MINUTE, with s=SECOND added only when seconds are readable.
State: h=4 m=48
